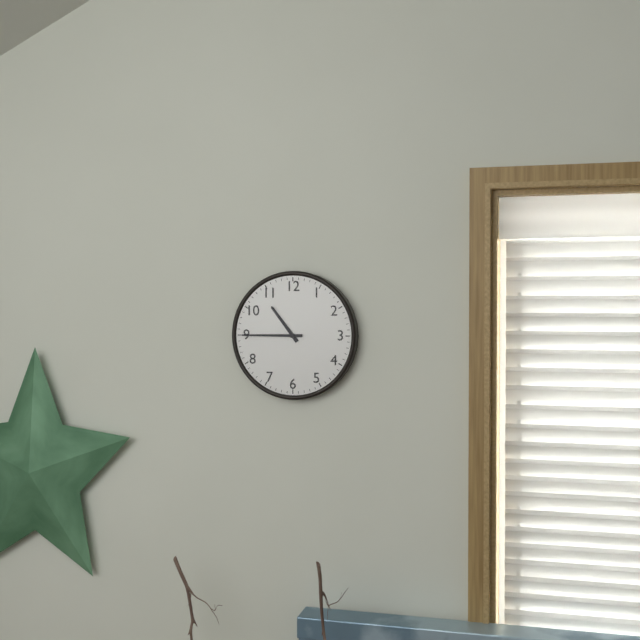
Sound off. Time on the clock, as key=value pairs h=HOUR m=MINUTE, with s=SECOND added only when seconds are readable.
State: h=10 m=45
